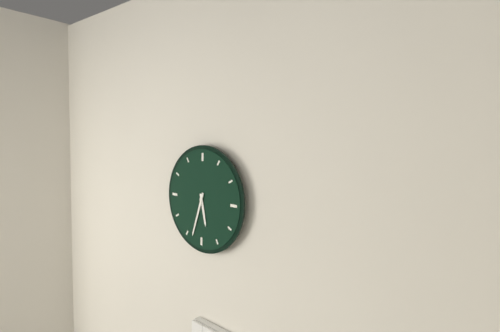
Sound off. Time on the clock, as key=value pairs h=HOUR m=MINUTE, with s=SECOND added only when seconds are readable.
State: h=5 m=33
